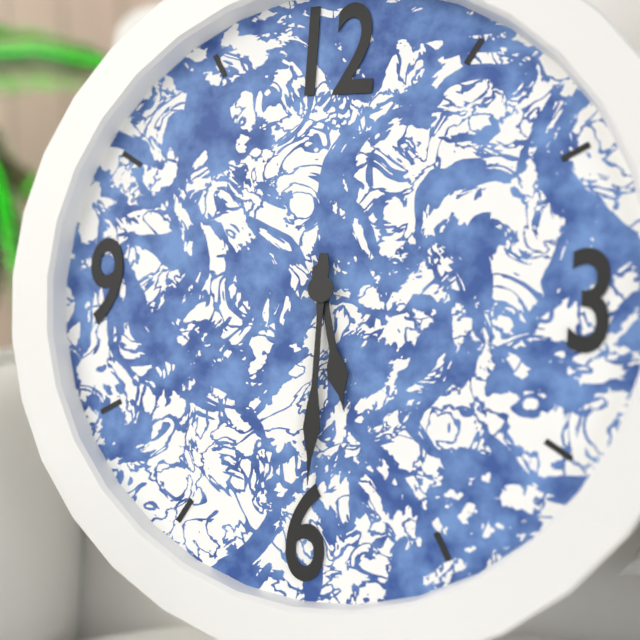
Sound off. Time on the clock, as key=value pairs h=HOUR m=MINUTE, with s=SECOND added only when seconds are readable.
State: h=5 m=30
